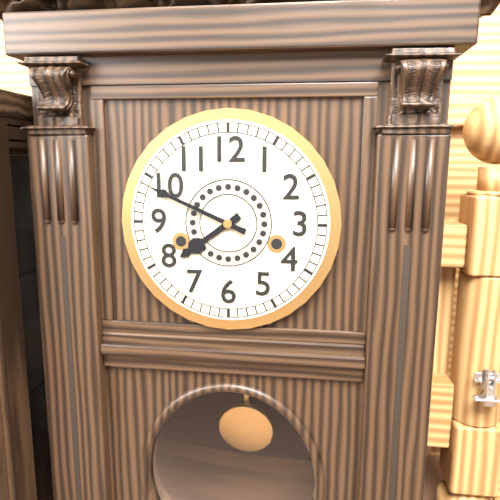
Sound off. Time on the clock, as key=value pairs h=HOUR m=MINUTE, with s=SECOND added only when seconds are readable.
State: h=7 m=49
